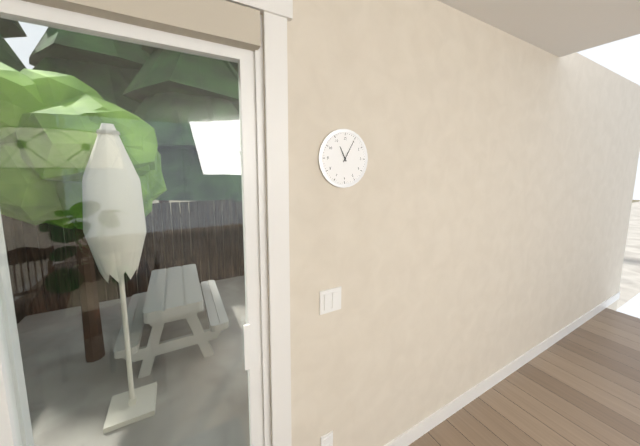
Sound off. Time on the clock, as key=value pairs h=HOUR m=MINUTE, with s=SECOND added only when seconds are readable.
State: h=11 m=5
